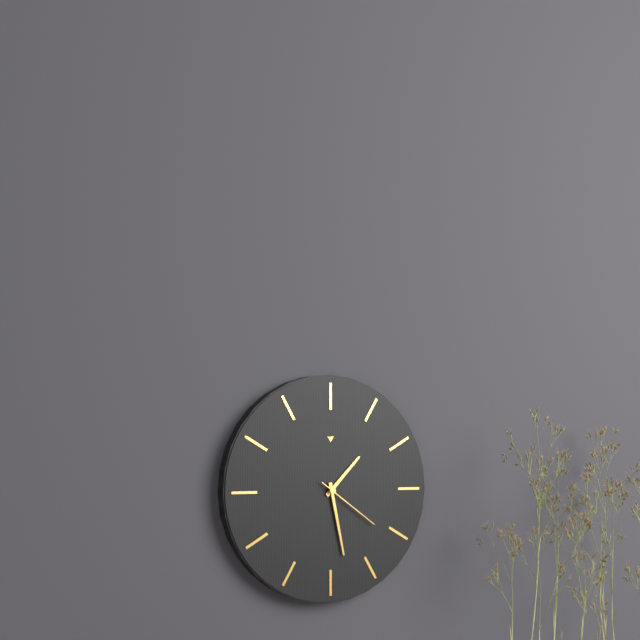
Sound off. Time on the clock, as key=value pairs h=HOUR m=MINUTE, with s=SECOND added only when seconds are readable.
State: h=1 m=28 s=21
